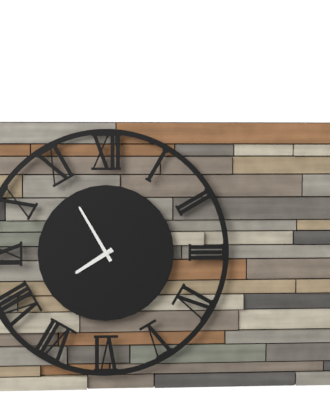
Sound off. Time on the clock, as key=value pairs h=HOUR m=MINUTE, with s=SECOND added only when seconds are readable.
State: h=7 m=55
